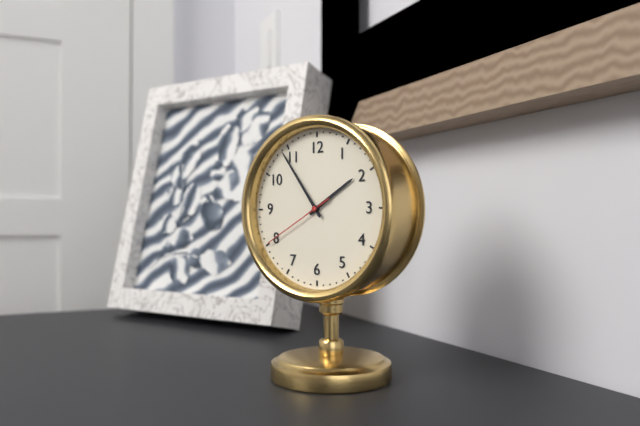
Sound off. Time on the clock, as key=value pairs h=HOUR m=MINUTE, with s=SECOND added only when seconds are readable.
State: h=1 m=54 s=40
